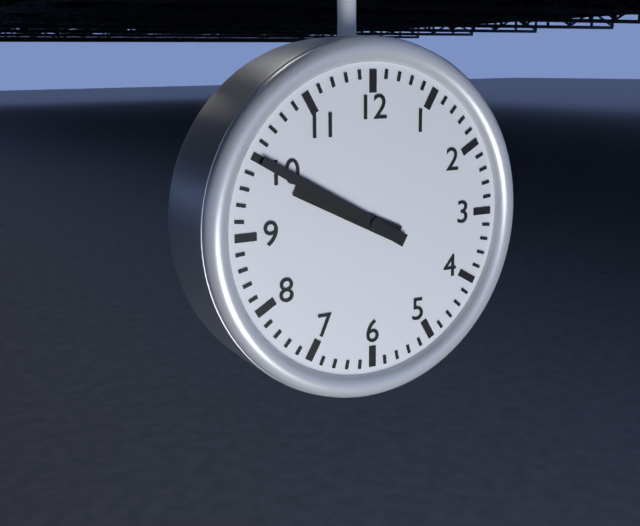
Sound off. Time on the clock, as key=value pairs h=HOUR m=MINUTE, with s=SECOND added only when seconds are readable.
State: h=9 m=50
